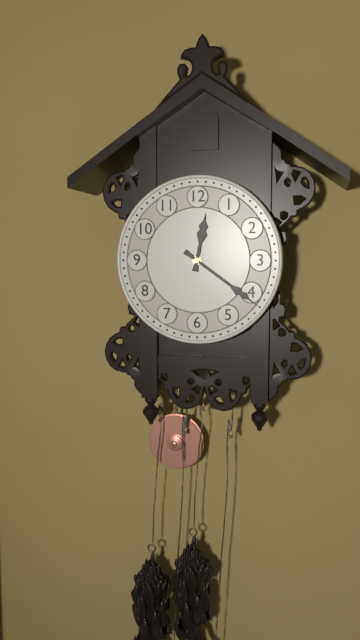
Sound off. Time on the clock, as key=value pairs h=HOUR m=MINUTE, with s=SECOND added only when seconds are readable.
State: h=12 m=21
